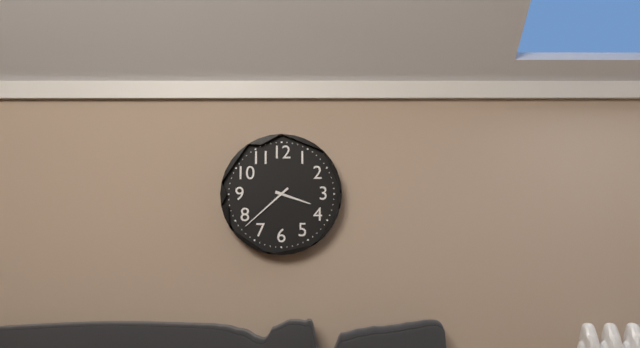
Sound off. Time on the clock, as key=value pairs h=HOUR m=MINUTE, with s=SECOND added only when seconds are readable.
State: h=3 m=38
